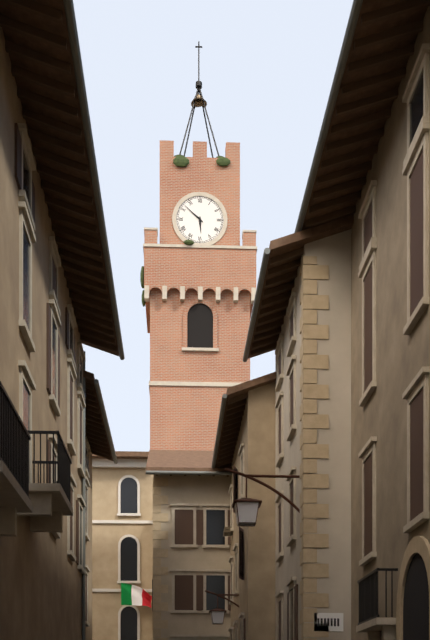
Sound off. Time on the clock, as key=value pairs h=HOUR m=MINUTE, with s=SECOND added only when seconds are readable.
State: h=5 m=52
